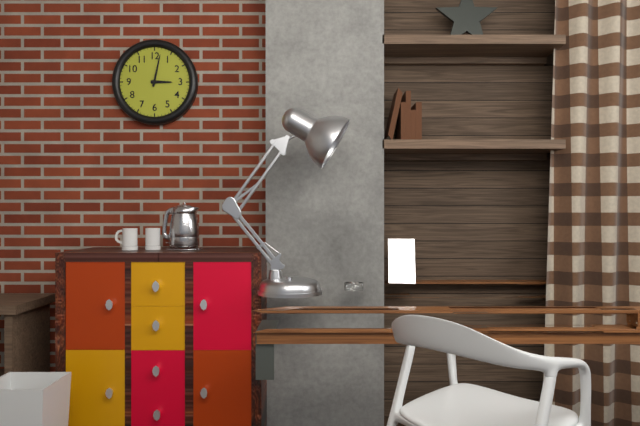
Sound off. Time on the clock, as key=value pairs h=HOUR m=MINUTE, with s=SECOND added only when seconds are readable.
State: h=3 m=2
